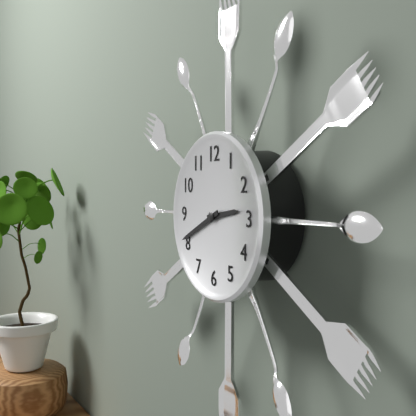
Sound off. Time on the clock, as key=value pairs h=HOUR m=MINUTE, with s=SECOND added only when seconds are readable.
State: h=2 m=41
